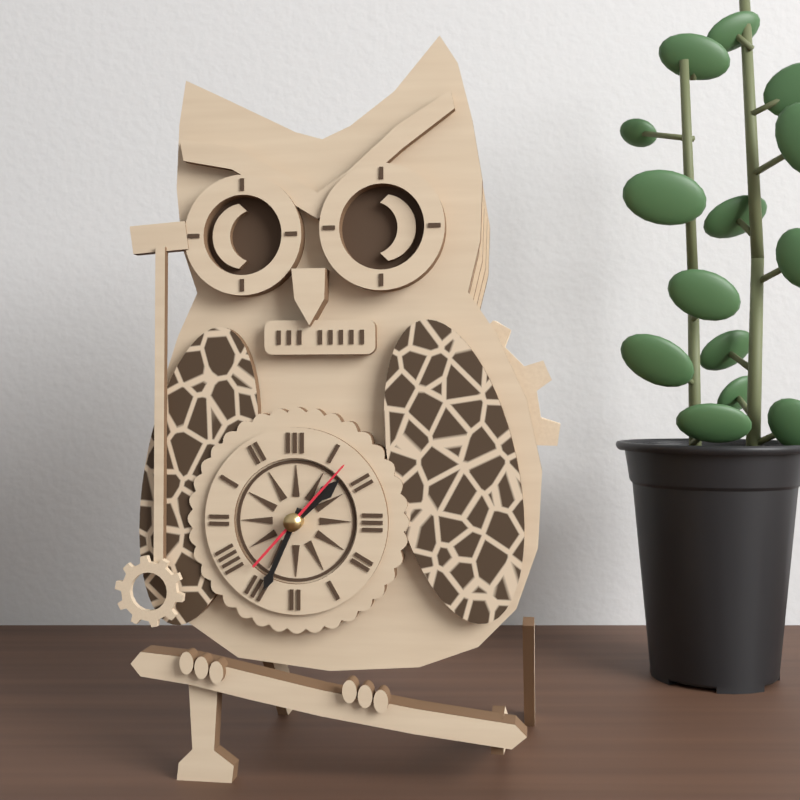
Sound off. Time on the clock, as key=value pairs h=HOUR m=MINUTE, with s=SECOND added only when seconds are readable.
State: h=1 m=34 s=7
